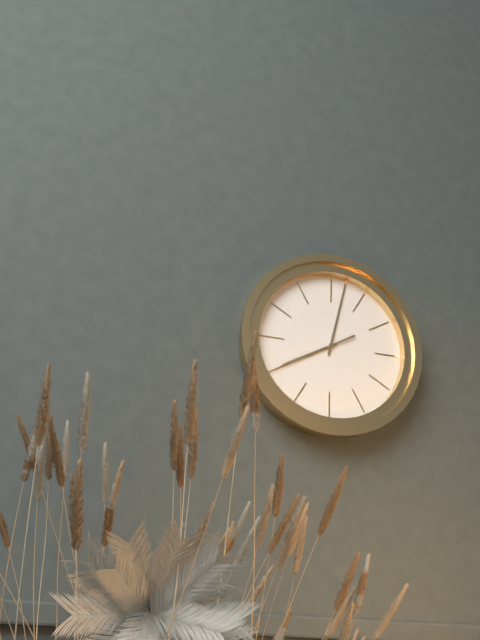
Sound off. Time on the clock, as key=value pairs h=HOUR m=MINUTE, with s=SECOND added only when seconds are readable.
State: h=8 m=2 s=40
